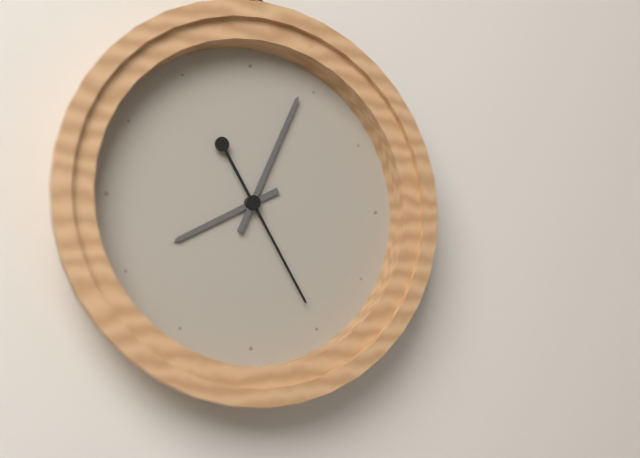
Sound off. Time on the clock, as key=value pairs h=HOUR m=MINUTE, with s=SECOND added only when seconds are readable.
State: h=8 m=4 s=25
